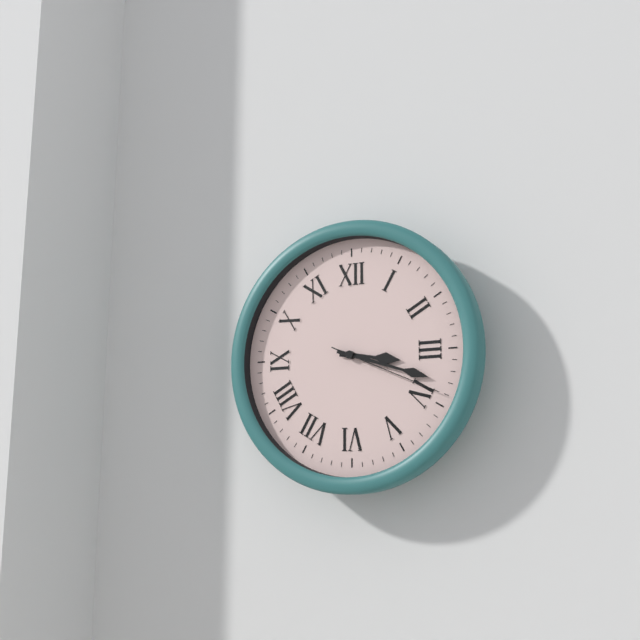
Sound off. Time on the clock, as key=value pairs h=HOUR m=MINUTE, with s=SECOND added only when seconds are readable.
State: h=3 m=18 s=19
